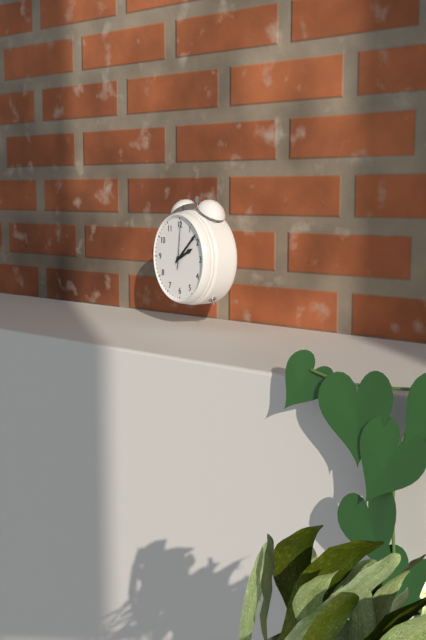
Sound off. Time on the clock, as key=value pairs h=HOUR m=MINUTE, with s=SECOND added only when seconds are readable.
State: h=2 m=8
